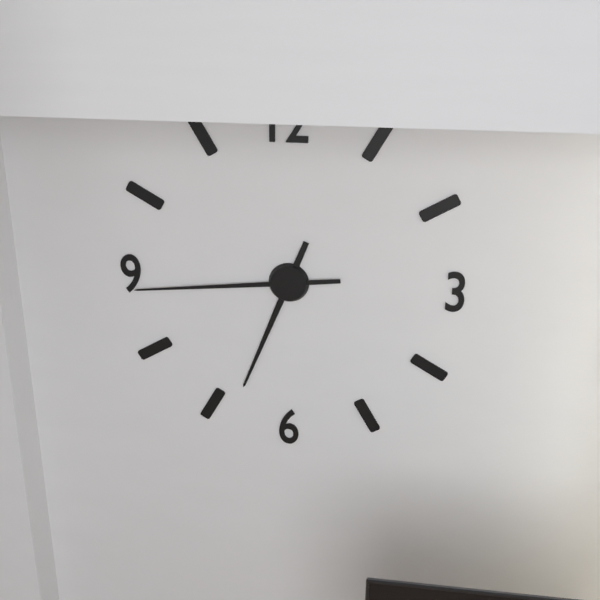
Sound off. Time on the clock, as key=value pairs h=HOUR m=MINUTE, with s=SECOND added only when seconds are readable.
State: h=6 m=44
